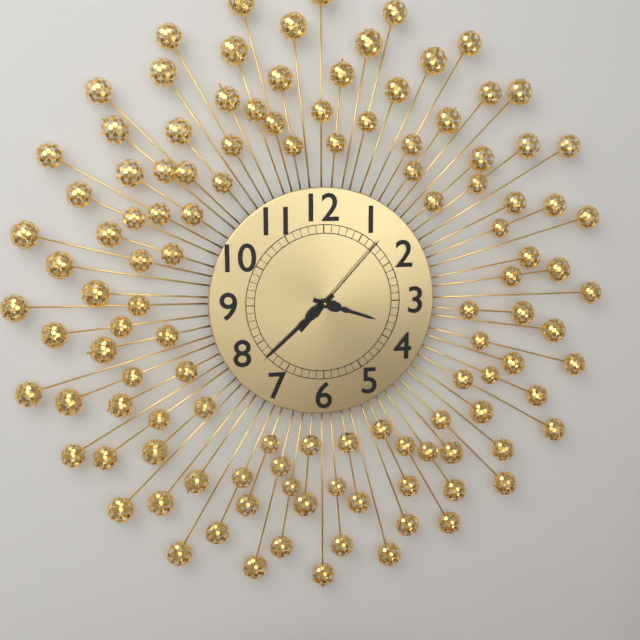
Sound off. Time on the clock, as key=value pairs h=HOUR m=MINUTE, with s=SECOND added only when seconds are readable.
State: h=3 m=38 s=7
